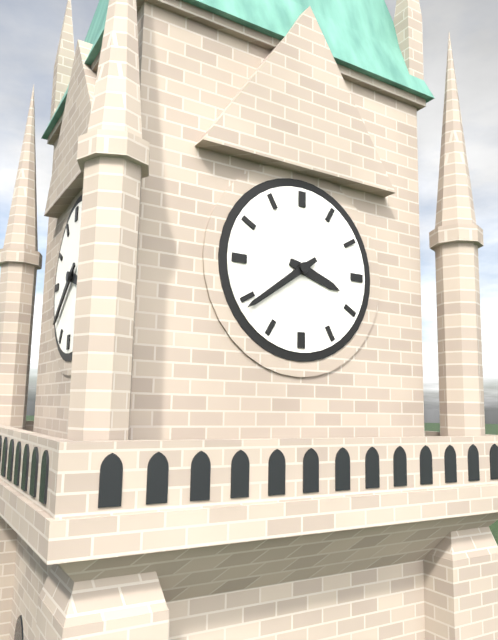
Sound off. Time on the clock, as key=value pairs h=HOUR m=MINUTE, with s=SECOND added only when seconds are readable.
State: h=3 m=39
